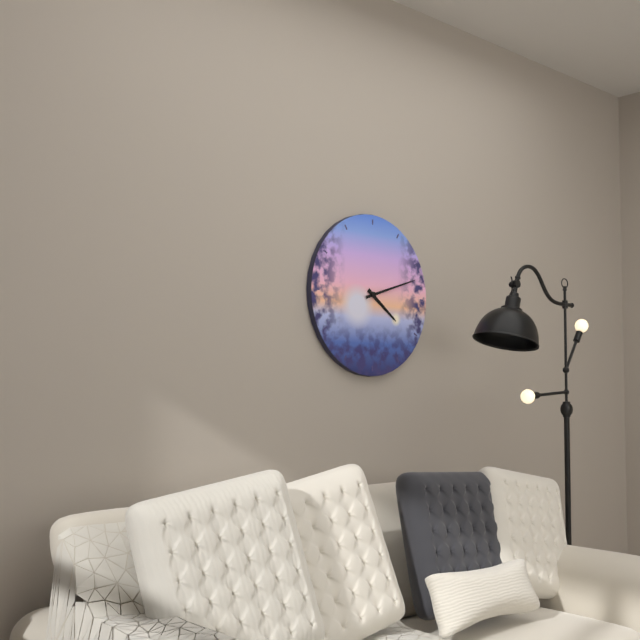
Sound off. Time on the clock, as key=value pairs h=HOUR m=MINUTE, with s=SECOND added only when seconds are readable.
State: h=4 m=12
